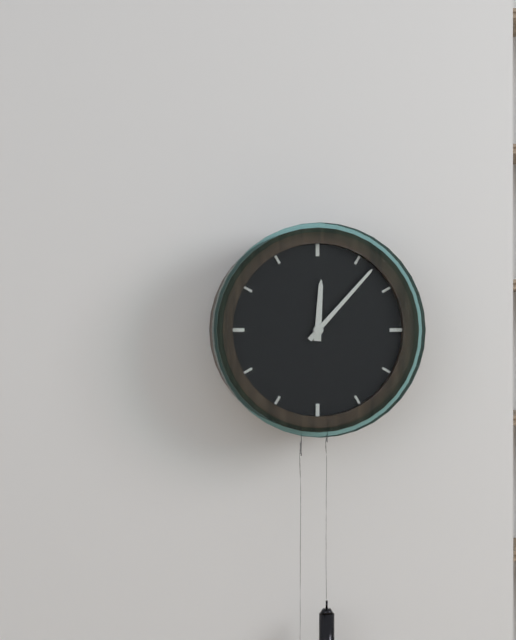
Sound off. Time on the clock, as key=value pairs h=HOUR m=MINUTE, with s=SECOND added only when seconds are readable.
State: h=12 m=7
